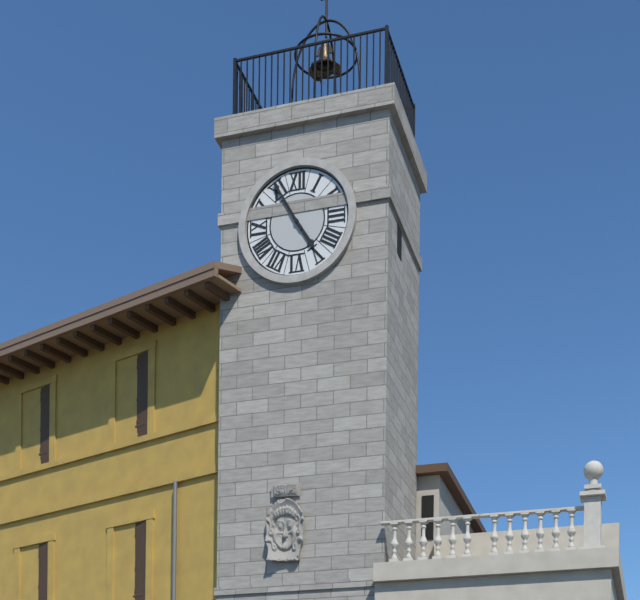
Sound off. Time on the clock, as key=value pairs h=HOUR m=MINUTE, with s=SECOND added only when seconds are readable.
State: h=4 m=55
